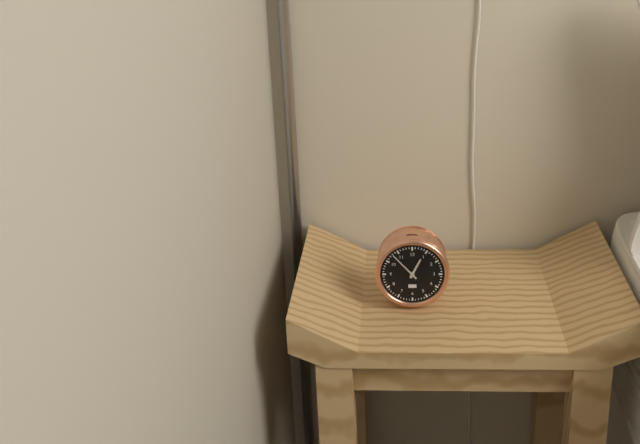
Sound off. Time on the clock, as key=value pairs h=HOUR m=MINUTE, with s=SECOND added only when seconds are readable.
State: h=12 m=53
